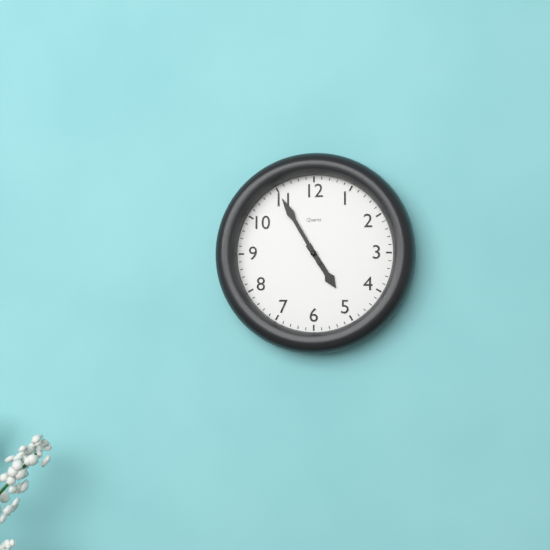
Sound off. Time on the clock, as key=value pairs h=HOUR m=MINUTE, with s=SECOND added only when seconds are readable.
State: h=4 m=55
